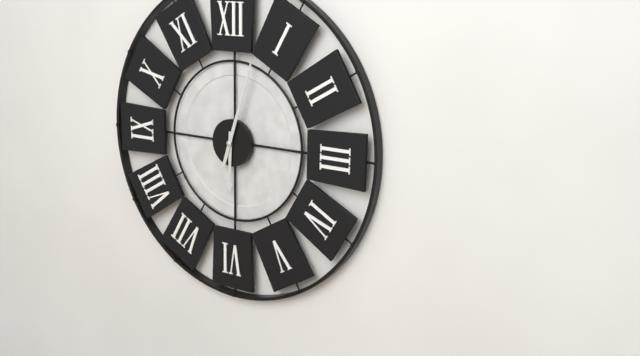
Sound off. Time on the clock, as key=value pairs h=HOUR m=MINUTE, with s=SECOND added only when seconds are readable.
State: h=6 m=3
